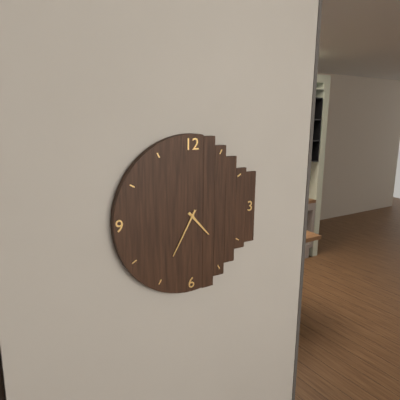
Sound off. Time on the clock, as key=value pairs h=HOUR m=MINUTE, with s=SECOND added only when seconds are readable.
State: h=4 m=35
